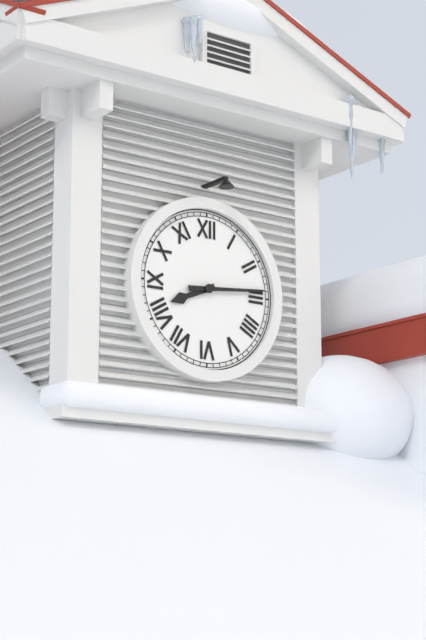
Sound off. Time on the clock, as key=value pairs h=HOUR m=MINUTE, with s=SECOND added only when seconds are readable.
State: h=8 m=14
